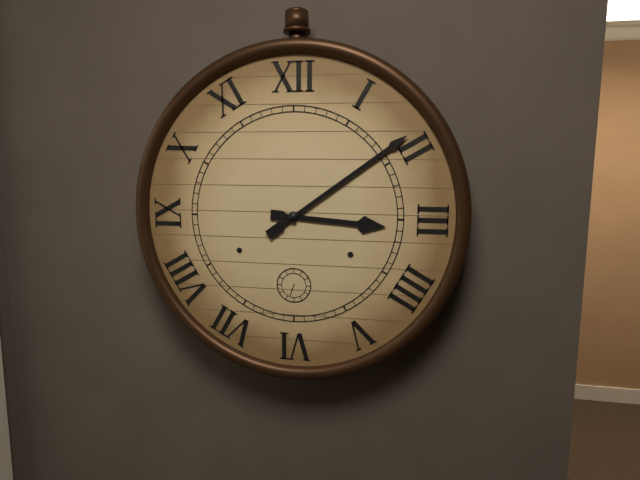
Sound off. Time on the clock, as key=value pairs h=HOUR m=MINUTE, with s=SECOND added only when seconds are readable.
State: h=3 m=9
